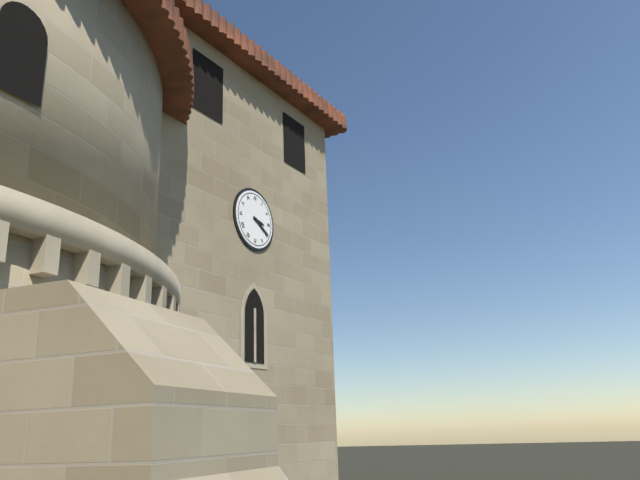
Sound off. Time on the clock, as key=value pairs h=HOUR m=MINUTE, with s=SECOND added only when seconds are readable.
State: h=3 m=20
